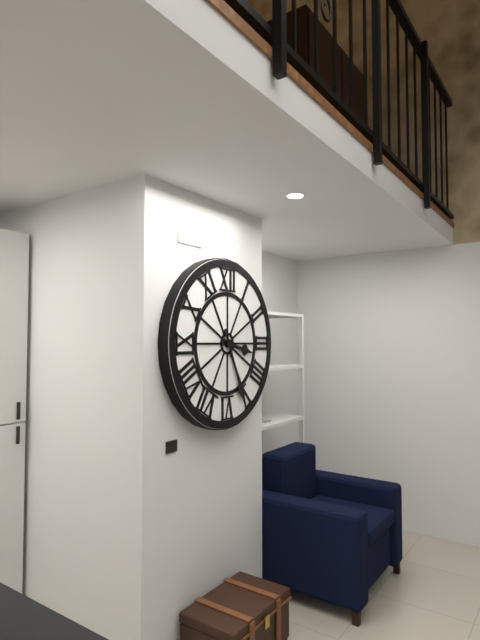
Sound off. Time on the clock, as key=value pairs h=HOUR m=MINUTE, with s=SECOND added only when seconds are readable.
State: h=3 m=26
